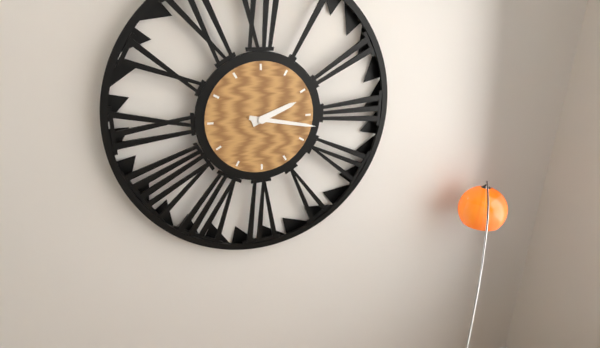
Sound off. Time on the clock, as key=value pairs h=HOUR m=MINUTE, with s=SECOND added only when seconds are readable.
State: h=2 m=17
